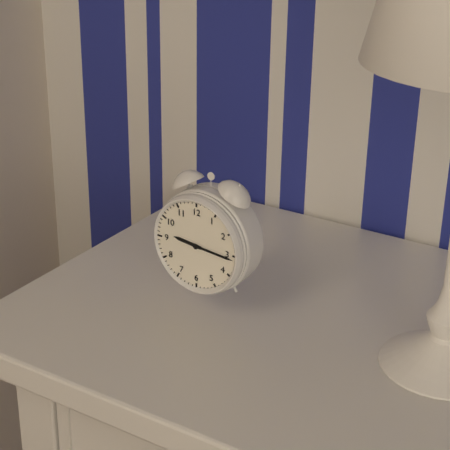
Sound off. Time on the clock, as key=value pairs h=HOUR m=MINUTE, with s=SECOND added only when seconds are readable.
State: h=9 m=16
